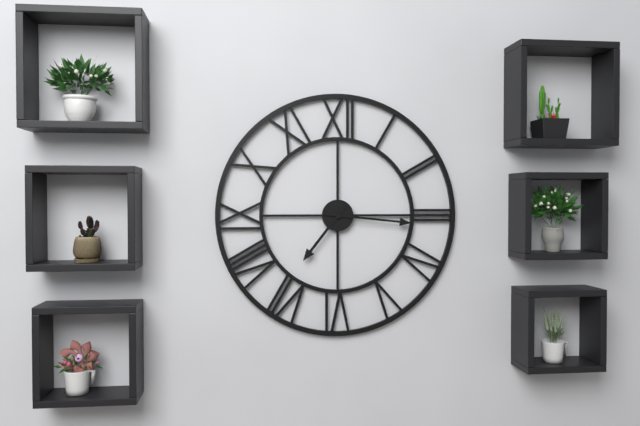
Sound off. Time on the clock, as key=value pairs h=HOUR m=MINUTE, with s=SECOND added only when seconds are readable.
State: h=7 m=16
